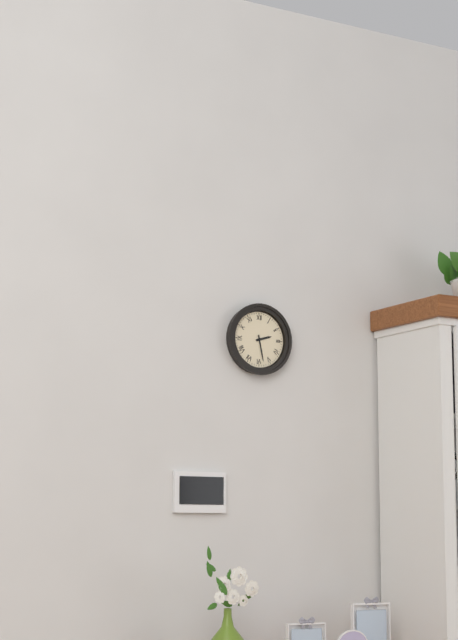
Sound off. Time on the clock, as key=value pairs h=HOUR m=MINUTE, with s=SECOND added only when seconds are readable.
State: h=2 m=28
